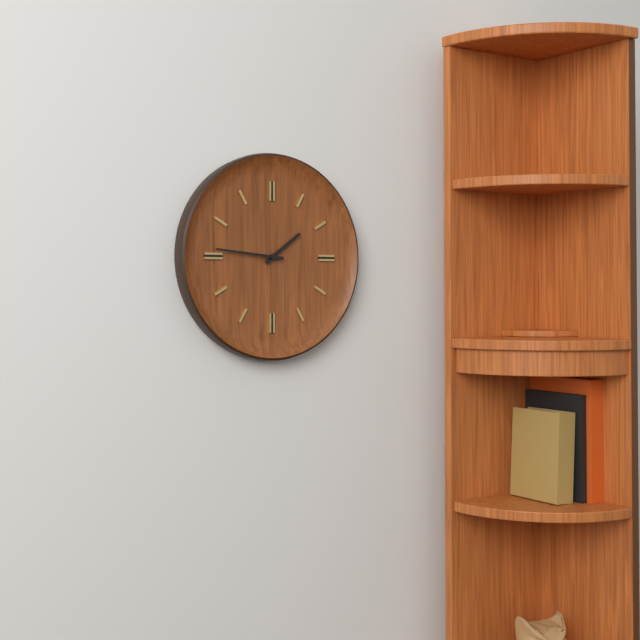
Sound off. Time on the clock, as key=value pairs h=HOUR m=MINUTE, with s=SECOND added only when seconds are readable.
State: h=1 m=46
